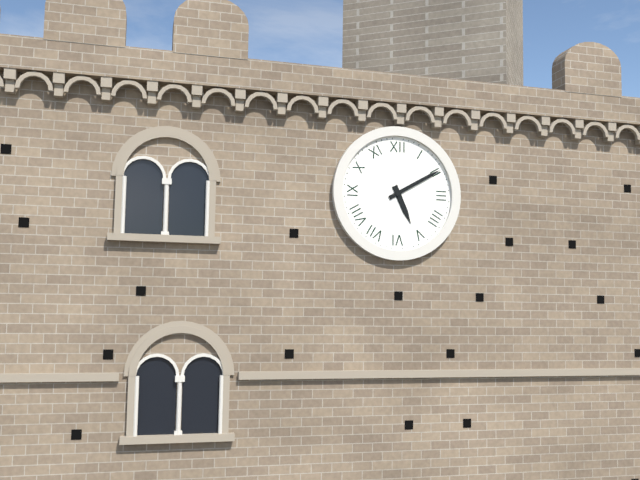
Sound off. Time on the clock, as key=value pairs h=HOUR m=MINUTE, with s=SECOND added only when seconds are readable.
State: h=5 m=10
